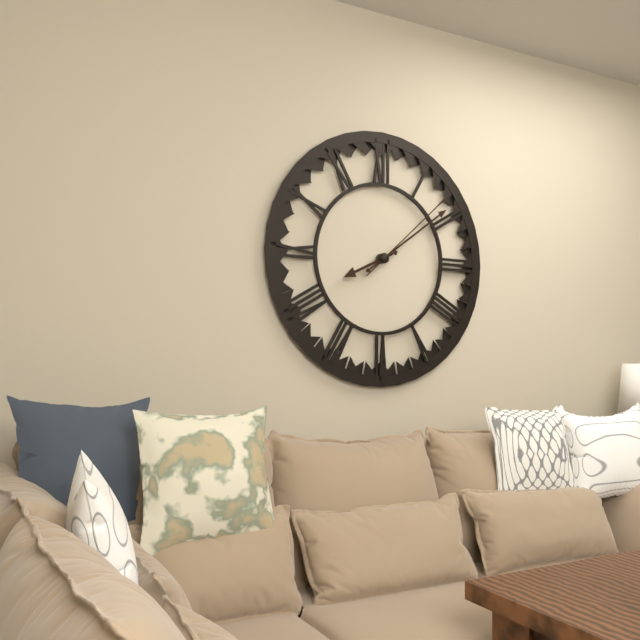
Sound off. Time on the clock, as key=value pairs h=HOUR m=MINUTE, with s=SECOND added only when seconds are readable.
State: h=8 m=9 s=8
